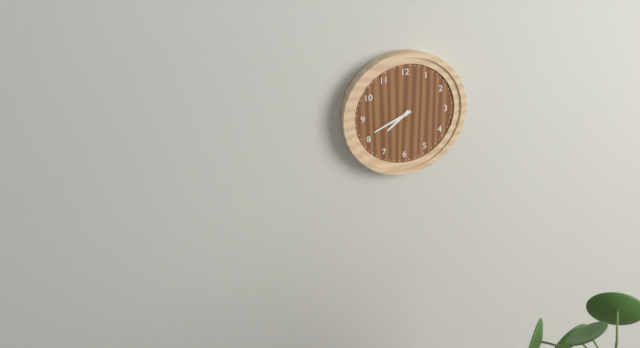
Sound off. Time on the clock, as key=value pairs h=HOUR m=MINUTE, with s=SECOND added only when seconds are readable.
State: h=7 m=41
